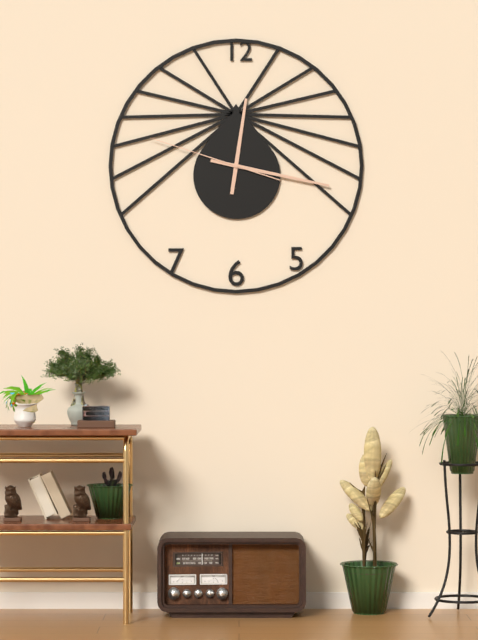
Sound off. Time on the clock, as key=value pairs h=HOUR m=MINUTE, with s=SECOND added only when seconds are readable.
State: h=12 m=17 s=48
